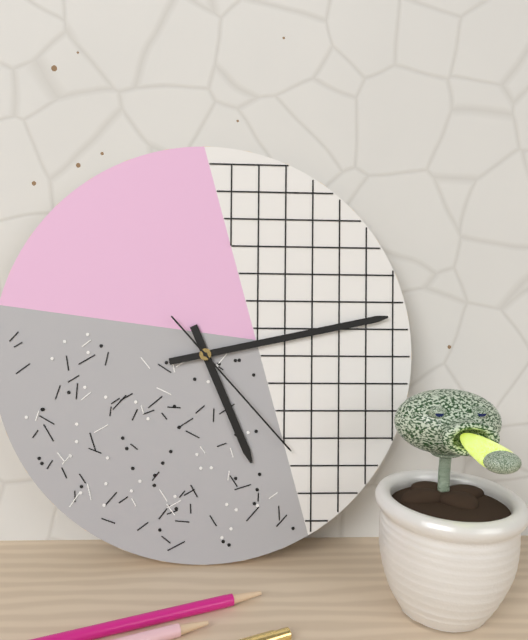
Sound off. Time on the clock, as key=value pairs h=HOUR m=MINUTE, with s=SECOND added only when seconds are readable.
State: h=5 m=13 s=23
